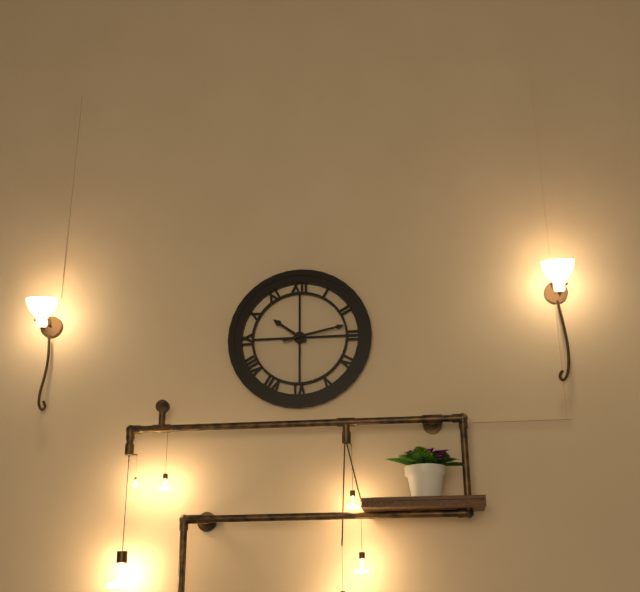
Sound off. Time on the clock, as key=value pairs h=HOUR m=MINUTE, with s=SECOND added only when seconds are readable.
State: h=10 m=13
